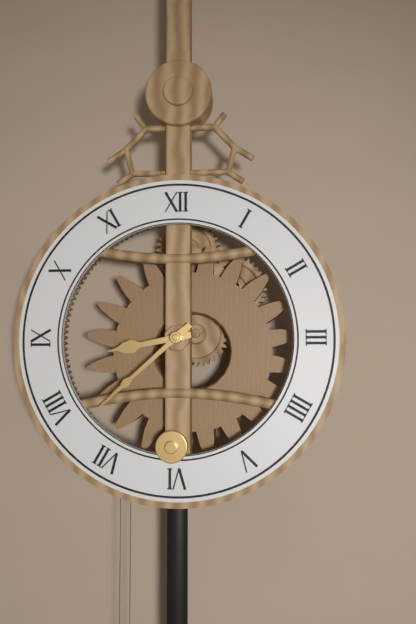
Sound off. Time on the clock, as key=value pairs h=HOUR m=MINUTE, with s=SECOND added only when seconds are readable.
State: h=8 m=38
